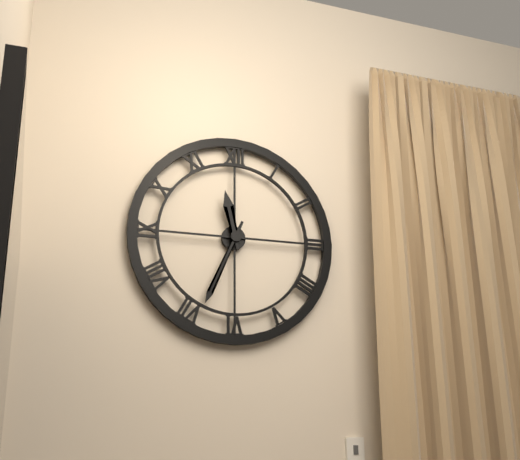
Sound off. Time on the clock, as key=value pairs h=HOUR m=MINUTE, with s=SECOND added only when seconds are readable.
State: h=11 m=34
